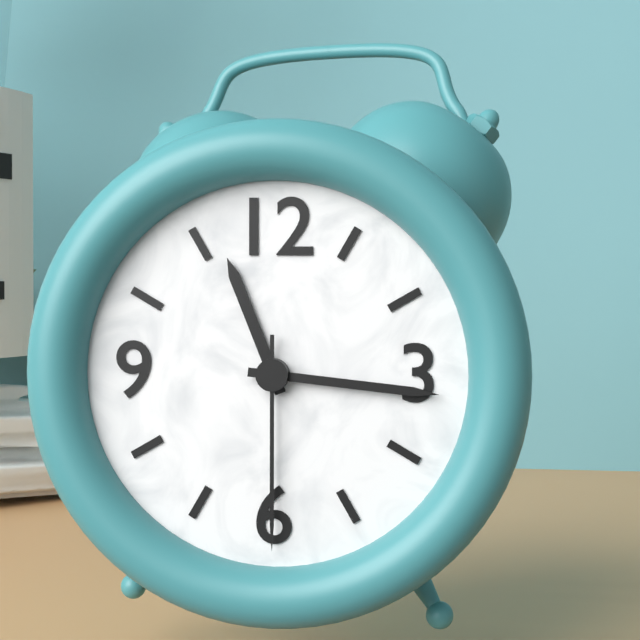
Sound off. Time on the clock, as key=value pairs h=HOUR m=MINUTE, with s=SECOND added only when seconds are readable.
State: h=11 m=16 s=30
